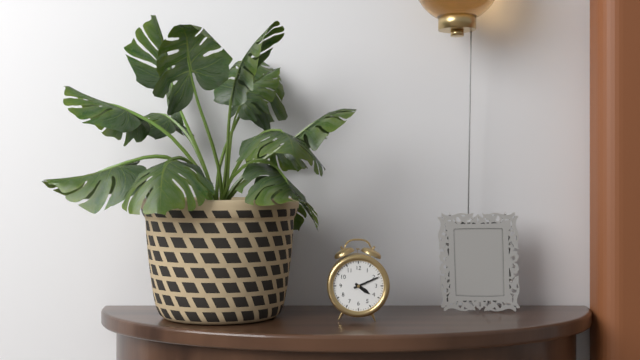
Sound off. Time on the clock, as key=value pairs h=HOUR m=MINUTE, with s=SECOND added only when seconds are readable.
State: h=4 m=11
